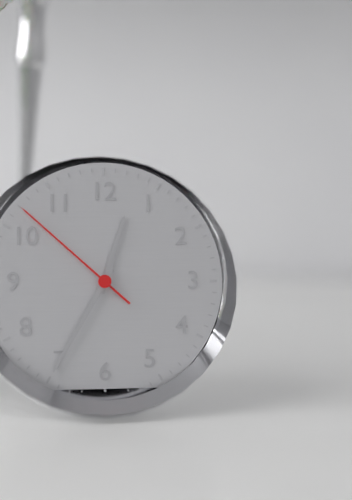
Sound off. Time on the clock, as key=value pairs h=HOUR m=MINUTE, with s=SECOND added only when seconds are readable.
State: h=12 m=35 s=52
